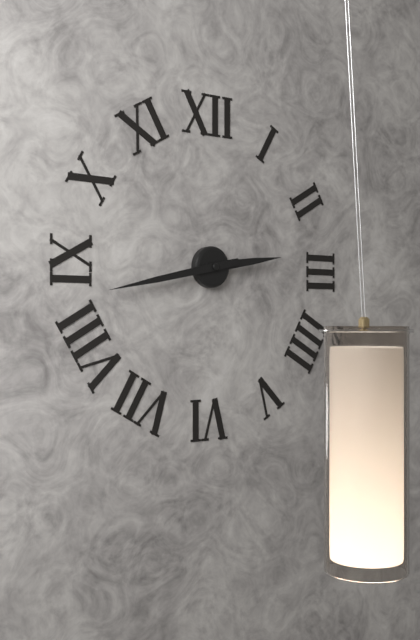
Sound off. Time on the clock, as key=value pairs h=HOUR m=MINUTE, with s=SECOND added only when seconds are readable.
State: h=2 m=43
